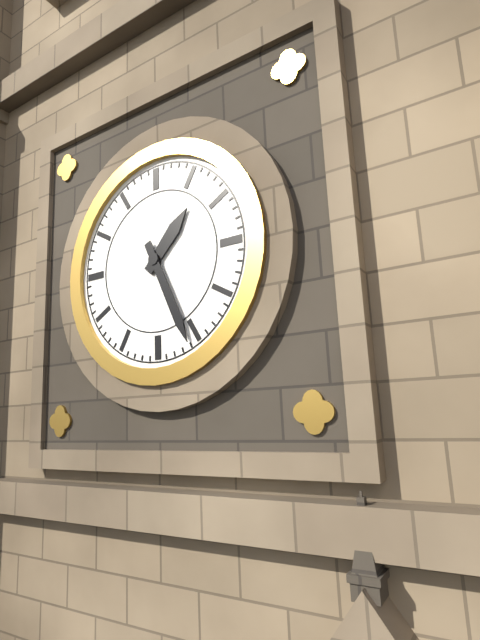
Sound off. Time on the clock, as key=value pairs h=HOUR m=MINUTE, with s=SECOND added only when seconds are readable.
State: h=1 m=26
